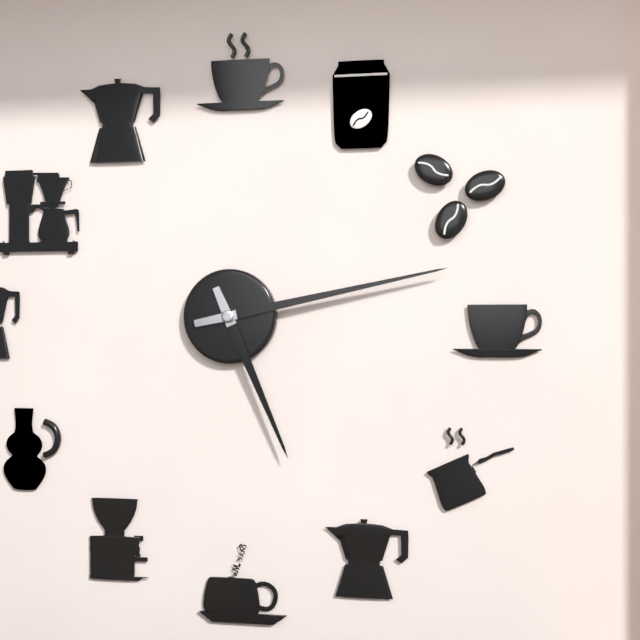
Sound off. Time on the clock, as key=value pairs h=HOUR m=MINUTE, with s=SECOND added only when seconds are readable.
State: h=5 m=13
